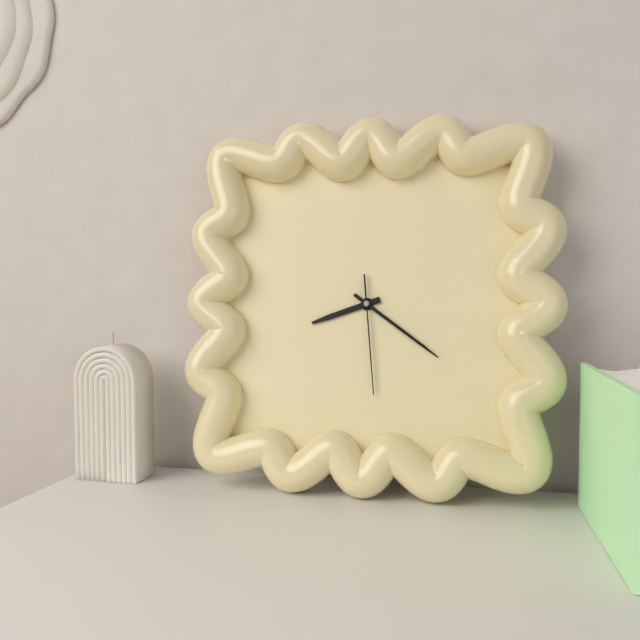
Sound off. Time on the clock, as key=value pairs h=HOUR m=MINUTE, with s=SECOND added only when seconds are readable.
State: h=8 m=21 s=29
